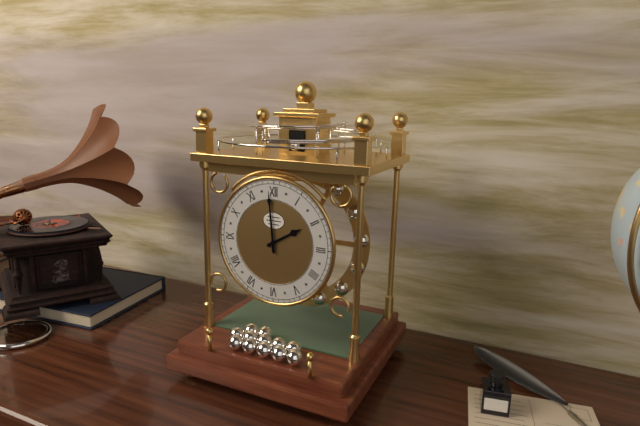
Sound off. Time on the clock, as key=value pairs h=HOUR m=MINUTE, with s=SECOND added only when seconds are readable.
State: h=1 m=59
